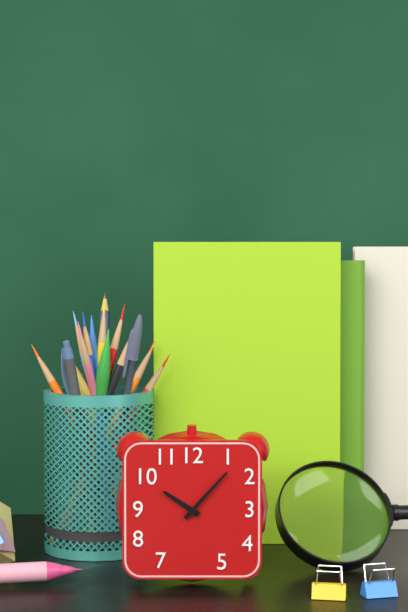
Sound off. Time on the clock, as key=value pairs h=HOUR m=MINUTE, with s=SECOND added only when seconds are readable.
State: h=10 m=7
